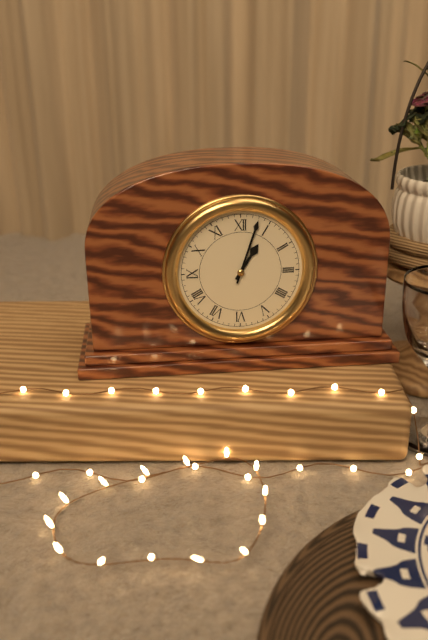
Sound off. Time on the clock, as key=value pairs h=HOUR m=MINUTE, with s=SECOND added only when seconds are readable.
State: h=1 m=3
